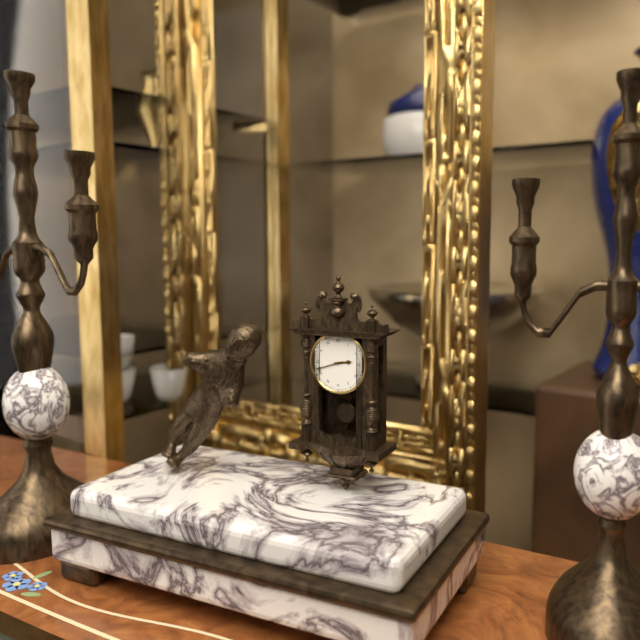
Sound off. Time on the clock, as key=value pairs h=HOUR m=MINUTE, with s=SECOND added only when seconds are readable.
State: h=2 m=42
